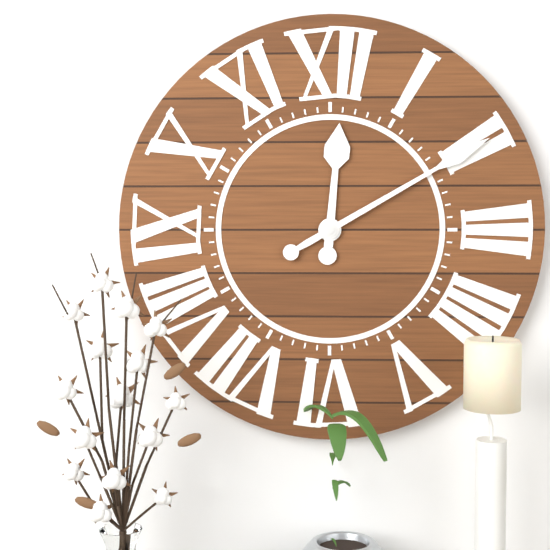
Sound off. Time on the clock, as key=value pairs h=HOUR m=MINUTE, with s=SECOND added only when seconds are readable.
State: h=12 m=10
